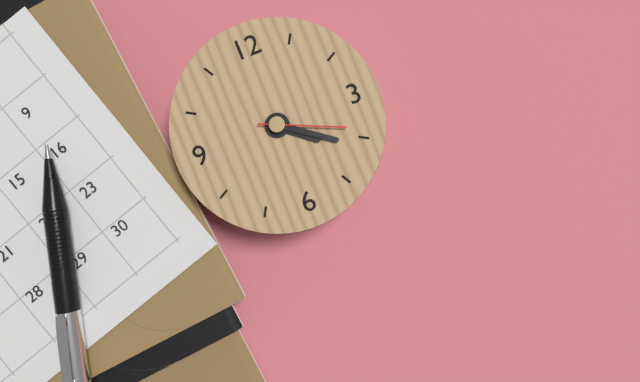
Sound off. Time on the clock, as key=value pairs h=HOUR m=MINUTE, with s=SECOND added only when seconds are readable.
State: h=4 m=21 s=19
